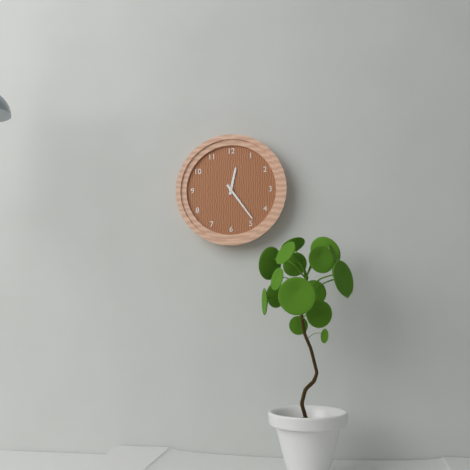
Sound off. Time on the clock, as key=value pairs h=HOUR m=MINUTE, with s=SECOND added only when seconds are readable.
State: h=12 m=24
